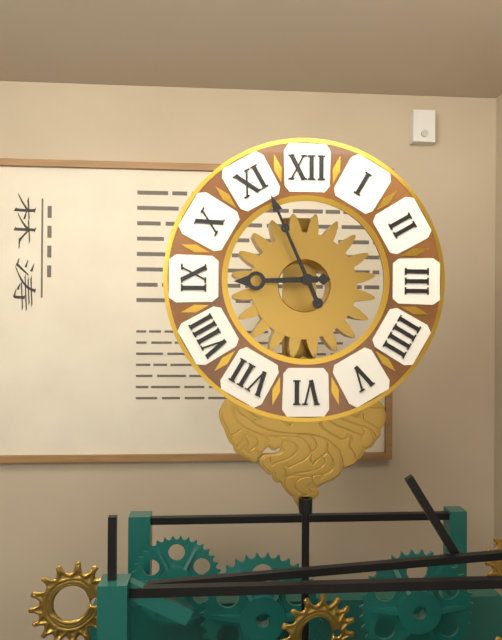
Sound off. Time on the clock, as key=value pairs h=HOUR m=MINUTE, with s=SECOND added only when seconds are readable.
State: h=8 m=56
